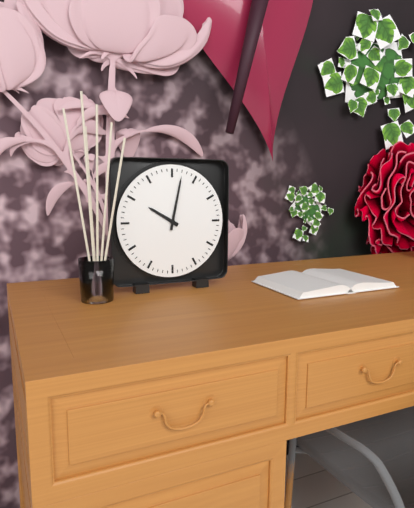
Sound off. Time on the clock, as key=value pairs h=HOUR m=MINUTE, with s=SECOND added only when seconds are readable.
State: h=10 m=2
